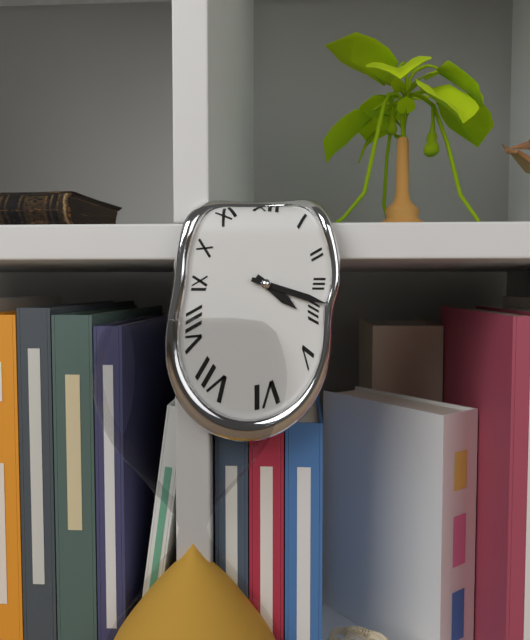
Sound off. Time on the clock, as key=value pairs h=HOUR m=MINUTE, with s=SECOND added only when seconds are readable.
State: h=4 m=18
